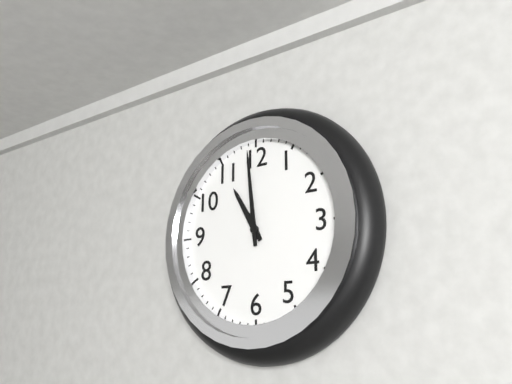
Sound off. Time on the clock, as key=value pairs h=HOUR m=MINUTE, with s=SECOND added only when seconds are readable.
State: h=10 m=59
